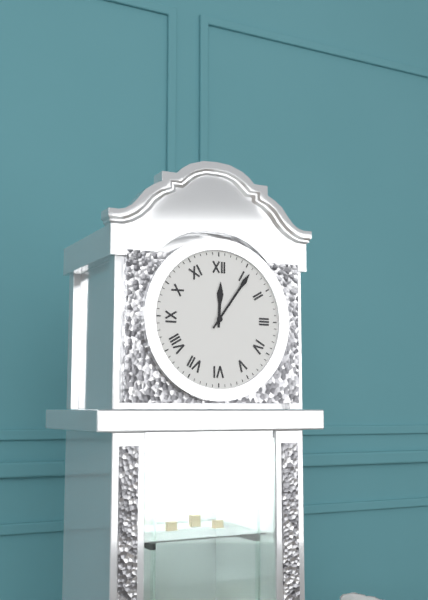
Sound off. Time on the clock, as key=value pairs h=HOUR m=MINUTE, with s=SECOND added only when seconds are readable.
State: h=12 m=6
